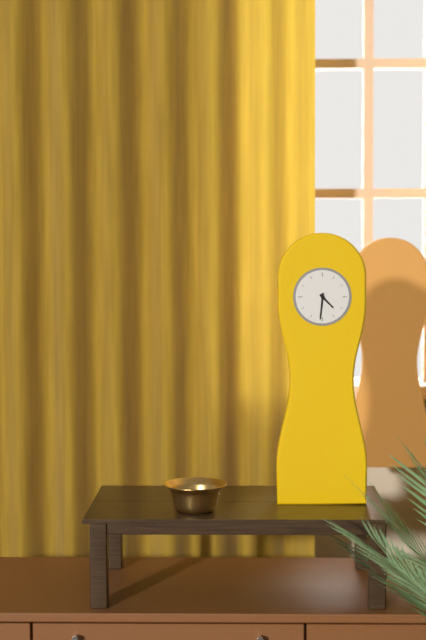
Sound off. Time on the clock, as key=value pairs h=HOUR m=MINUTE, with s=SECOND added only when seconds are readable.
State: h=4 m=31
